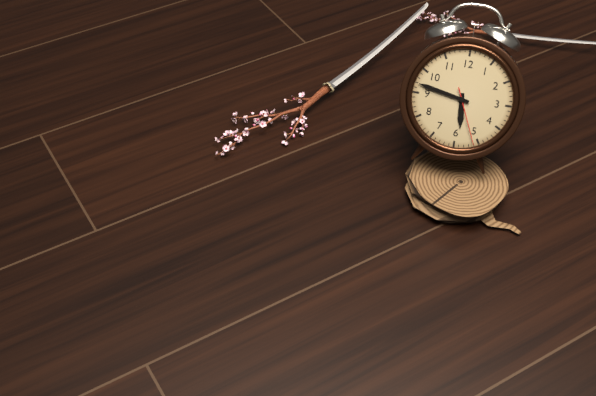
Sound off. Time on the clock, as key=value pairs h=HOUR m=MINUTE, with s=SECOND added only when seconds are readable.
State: h=5 m=47 s=26
